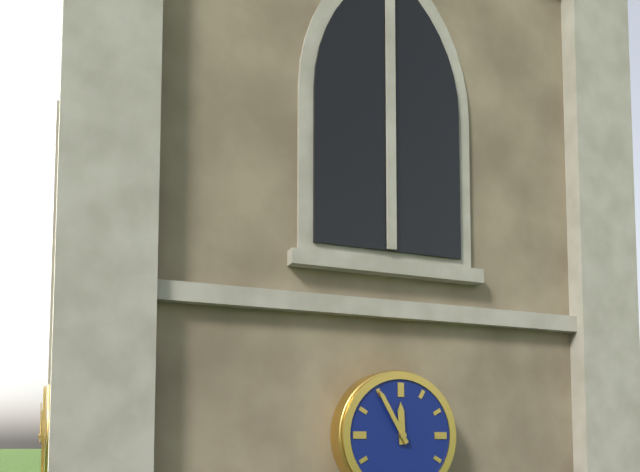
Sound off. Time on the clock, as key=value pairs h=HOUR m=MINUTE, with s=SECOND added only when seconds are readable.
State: h=11 m=55
